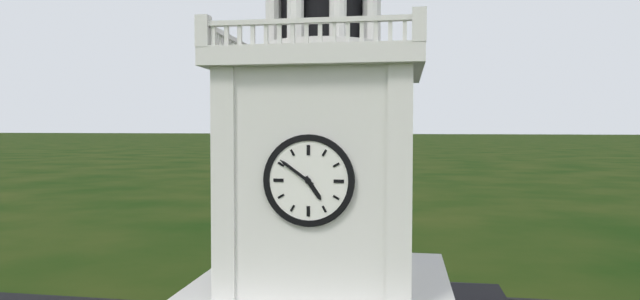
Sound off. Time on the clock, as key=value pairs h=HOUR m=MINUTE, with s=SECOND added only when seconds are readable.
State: h=4 m=51
